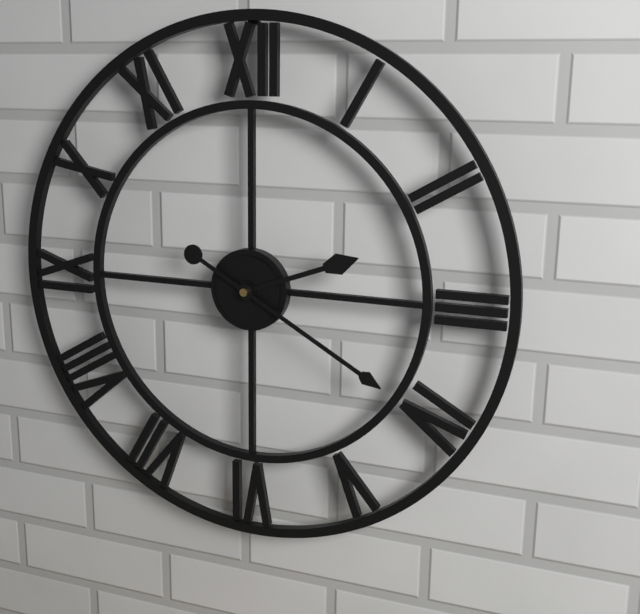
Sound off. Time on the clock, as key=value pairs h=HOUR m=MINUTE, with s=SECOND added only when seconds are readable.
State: h=2 m=20
